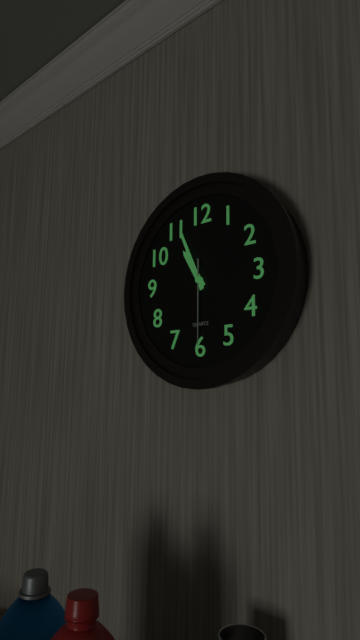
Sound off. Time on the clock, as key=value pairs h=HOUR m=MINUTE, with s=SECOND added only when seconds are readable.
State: h=10 m=56 s=30
